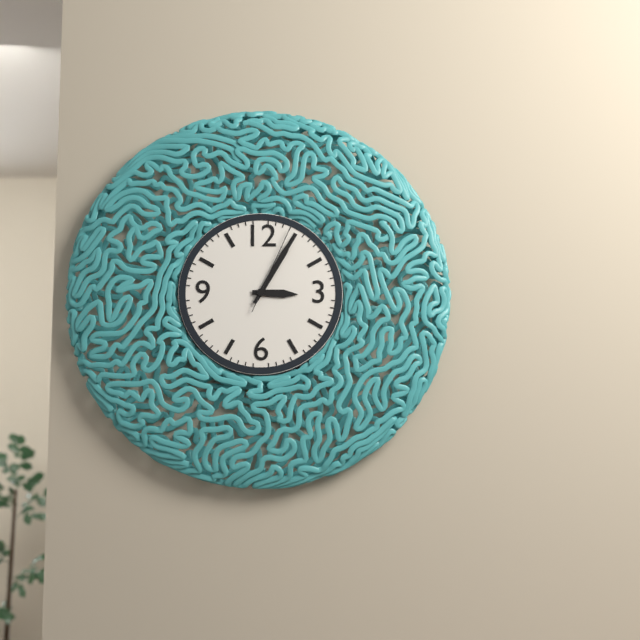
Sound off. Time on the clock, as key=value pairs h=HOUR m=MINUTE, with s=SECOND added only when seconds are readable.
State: h=3 m=5 s=4
